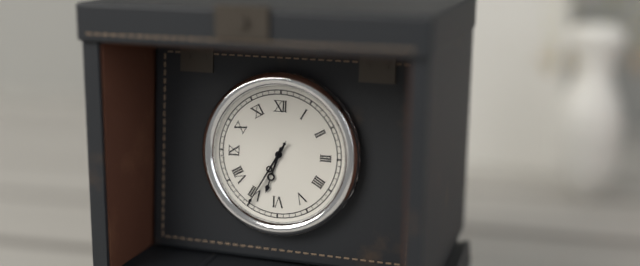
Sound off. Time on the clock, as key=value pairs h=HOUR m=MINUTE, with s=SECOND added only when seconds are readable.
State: h=6 m=35 s=35
